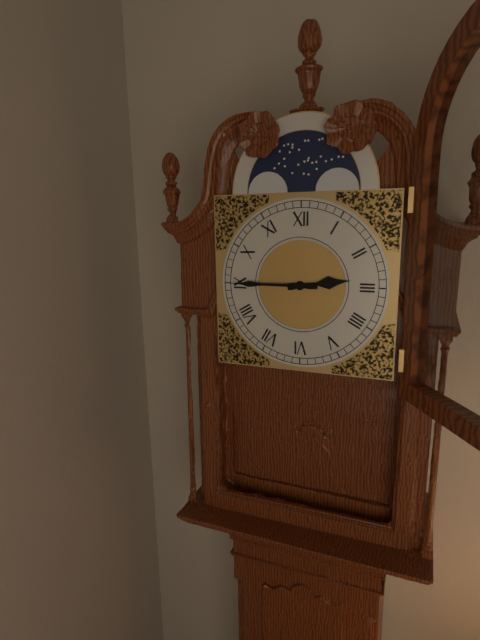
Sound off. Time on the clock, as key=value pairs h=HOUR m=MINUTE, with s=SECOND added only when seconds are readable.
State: h=2 m=45
